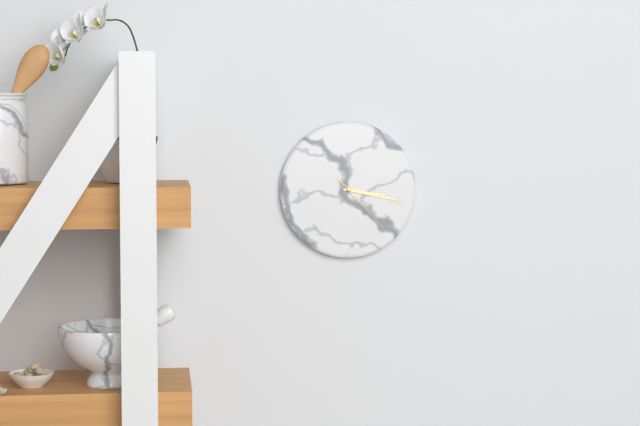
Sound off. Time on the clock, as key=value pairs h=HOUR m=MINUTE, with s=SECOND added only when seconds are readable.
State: h=3 m=17 s=23
